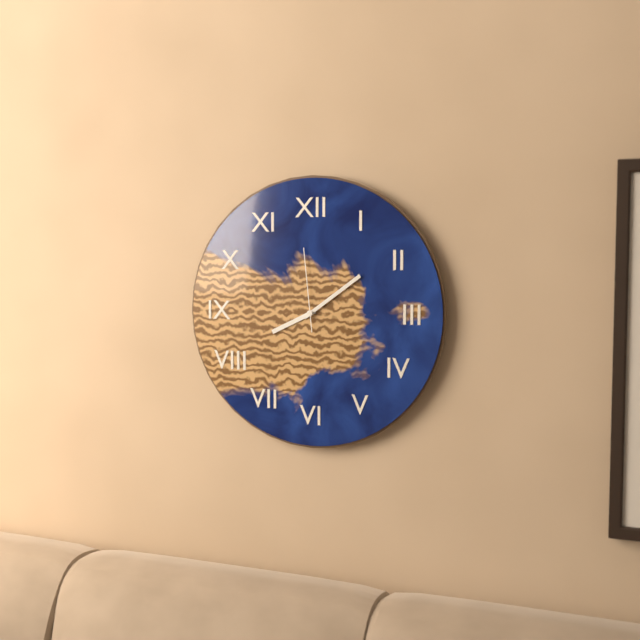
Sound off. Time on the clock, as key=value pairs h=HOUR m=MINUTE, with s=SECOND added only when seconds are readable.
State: h=8 m=9 s=59
